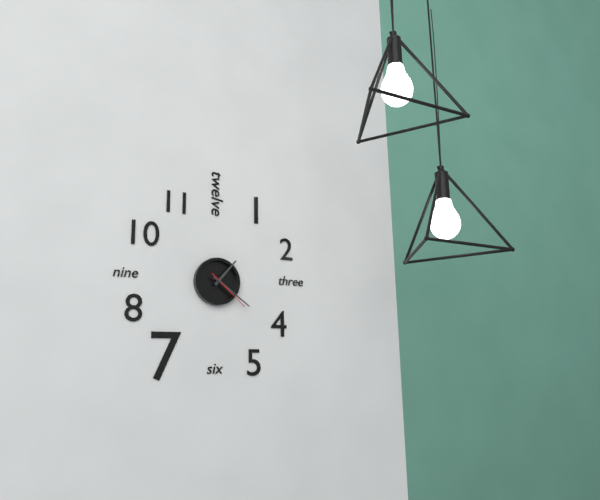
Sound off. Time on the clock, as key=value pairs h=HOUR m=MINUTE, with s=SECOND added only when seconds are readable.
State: h=1 m=21
